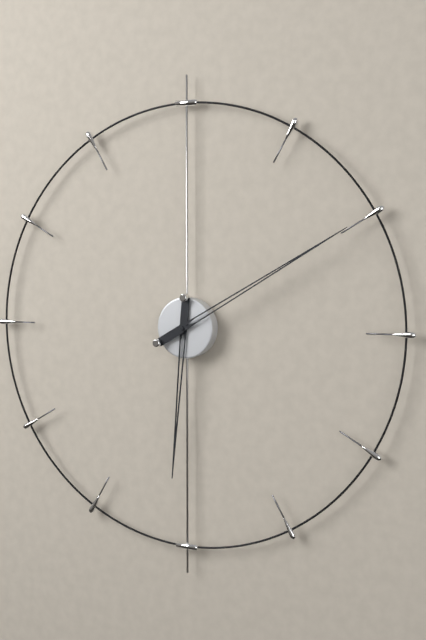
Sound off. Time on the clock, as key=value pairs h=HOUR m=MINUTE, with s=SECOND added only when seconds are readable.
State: h=6 m=10
